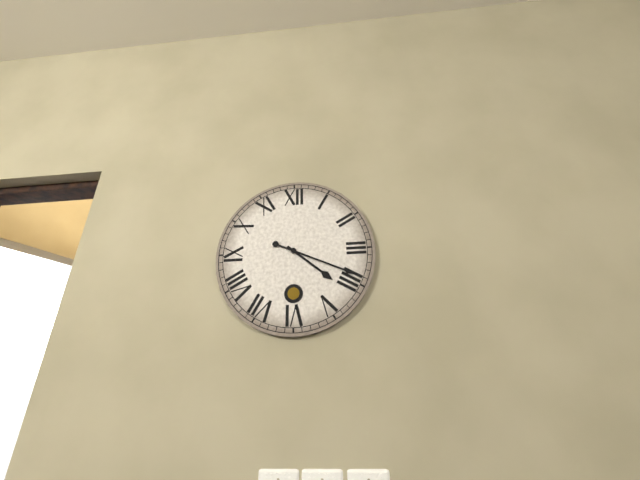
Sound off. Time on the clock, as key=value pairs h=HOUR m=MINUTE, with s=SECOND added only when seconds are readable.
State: h=4 m=19
